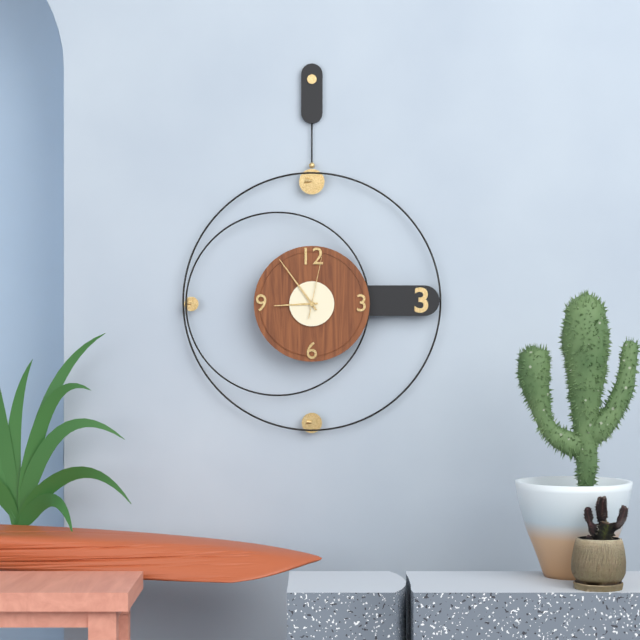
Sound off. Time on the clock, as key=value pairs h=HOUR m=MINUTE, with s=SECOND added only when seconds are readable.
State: h=8 m=54 s=2
